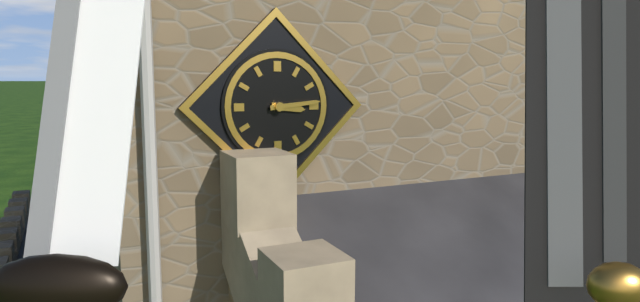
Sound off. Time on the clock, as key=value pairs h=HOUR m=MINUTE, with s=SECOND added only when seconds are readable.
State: h=3 m=14
